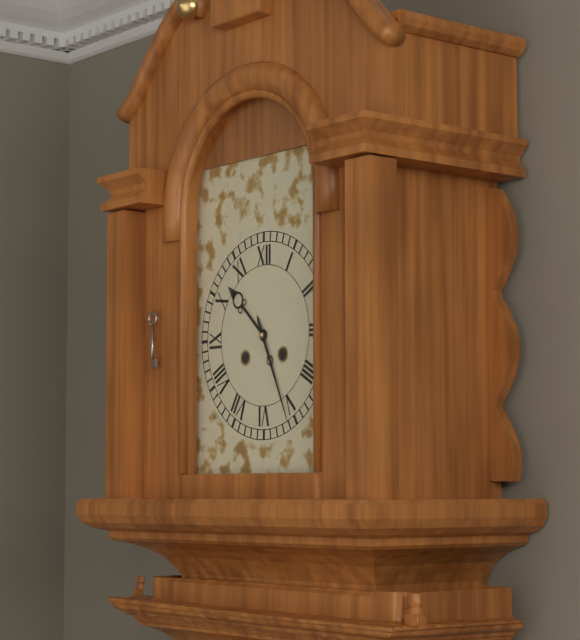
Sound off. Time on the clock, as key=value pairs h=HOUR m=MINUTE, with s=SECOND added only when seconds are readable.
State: h=10 m=26
